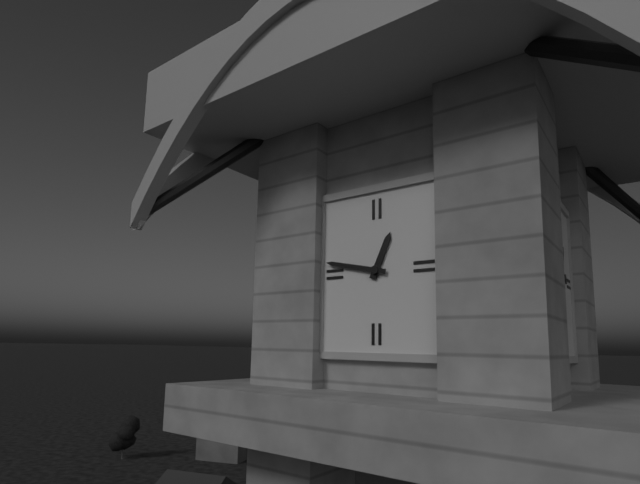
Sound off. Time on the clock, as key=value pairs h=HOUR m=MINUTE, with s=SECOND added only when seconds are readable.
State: h=12 m=47
